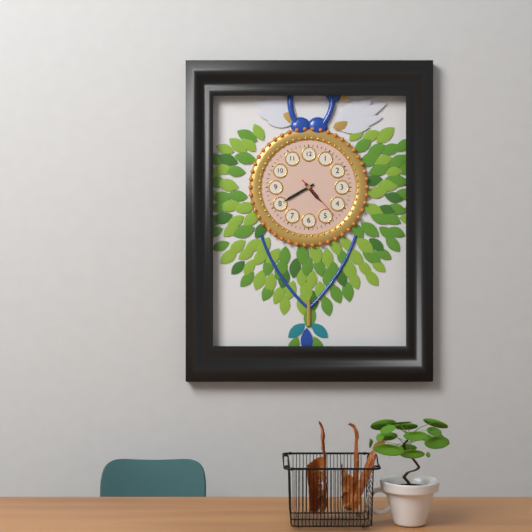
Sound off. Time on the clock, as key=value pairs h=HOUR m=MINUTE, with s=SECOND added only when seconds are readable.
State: h=4 m=40
